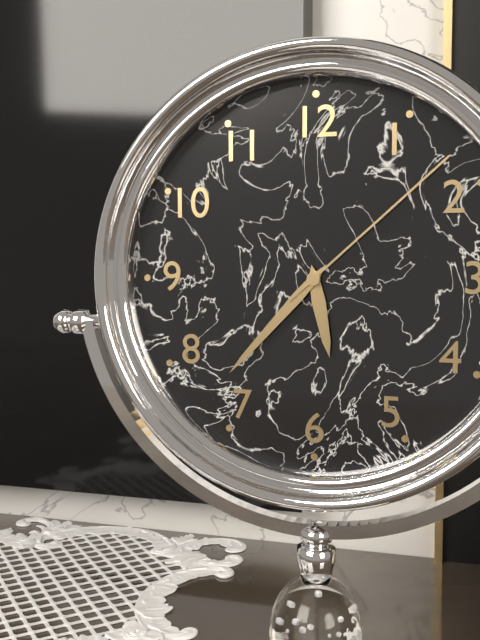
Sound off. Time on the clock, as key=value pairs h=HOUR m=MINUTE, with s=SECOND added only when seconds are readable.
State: h=5 m=37 s=8
